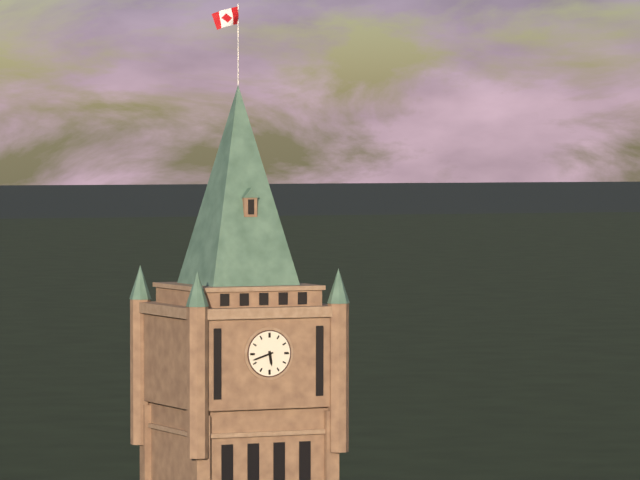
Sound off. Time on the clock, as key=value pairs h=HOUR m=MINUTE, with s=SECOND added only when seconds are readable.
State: h=5 m=42
